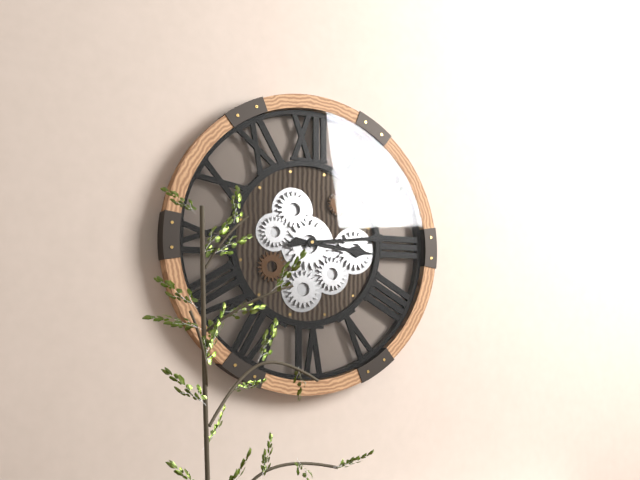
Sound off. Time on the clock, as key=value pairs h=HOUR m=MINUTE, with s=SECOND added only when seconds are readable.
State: h=3 m=14
